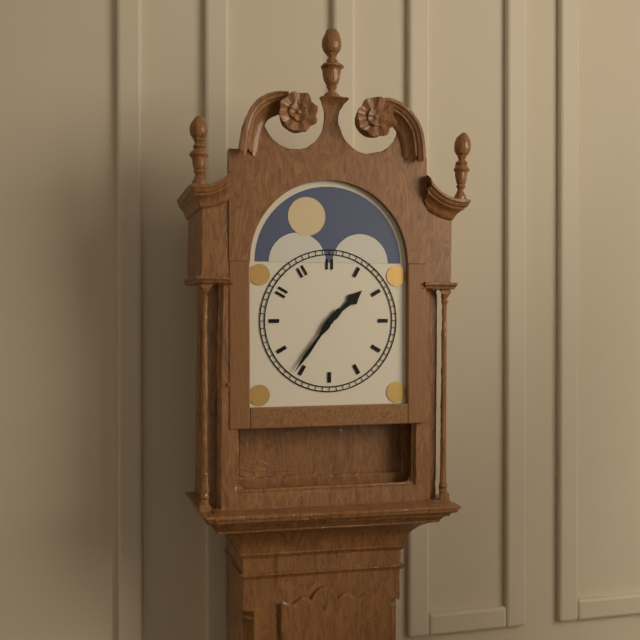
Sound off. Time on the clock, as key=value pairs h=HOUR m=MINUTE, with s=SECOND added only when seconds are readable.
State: h=1 m=36
